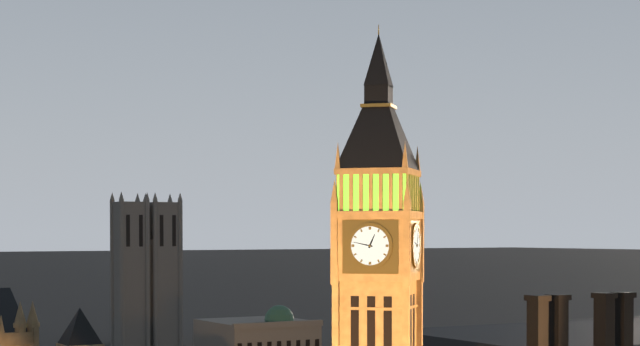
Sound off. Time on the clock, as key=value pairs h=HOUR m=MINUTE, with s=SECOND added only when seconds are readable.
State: h=12 m=47
